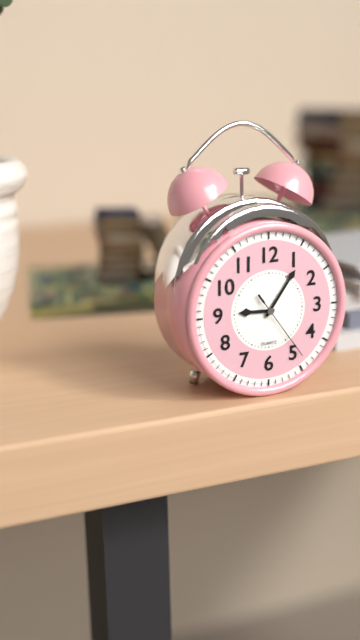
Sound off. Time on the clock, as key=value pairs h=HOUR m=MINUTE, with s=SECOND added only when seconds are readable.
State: h=9 m=6 s=24
